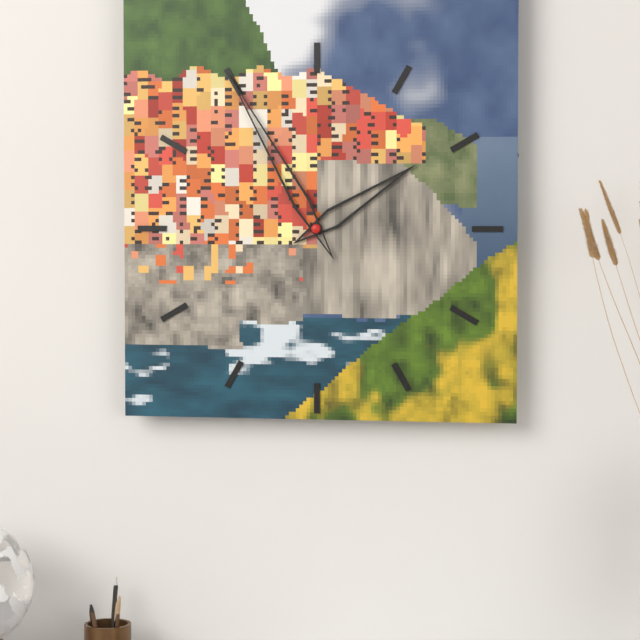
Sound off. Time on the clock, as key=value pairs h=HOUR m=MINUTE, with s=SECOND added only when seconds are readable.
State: h=1 m=55
